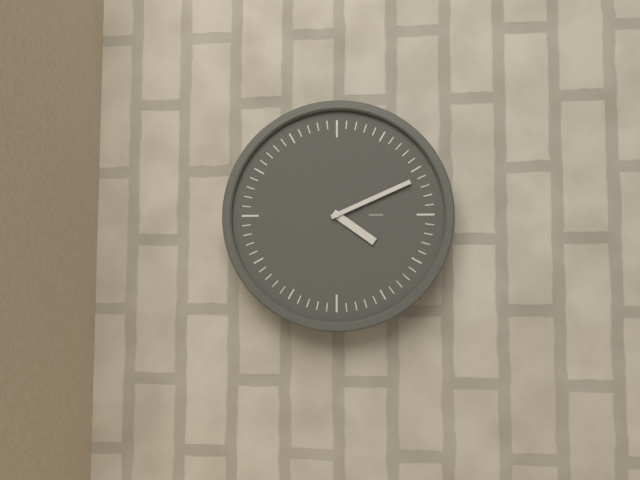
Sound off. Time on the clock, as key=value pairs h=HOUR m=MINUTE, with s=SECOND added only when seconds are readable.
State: h=4 m=11
